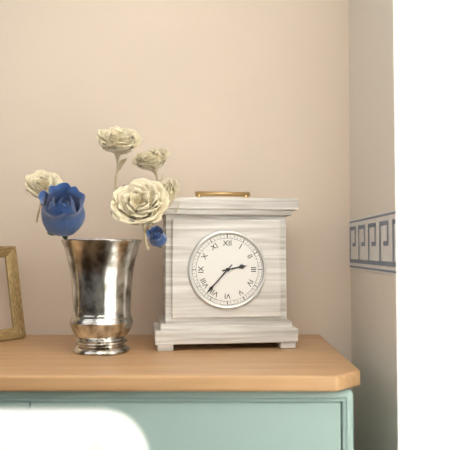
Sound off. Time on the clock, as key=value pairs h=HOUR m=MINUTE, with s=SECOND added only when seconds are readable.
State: h=2 m=37
